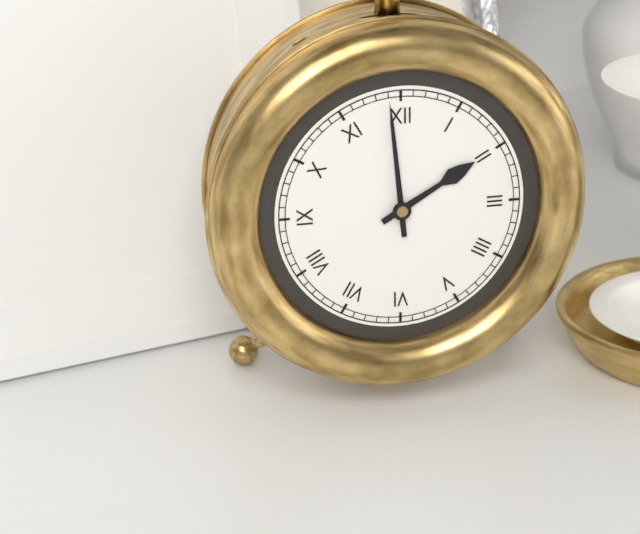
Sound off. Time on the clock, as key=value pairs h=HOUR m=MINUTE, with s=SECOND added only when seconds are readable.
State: h=1 m=59
